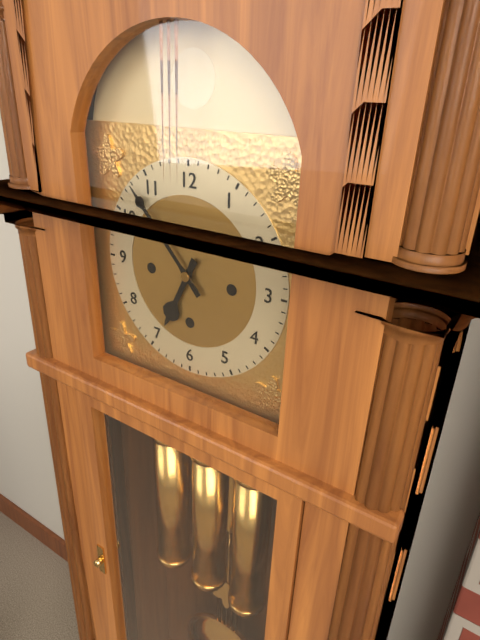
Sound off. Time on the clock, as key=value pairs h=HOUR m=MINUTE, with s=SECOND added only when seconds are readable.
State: h=6 m=53
